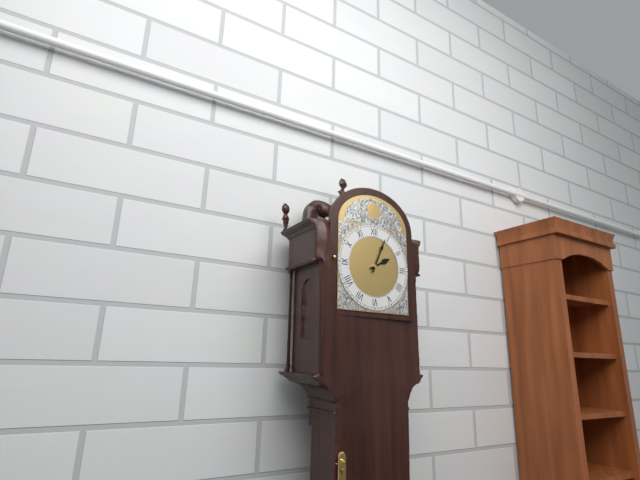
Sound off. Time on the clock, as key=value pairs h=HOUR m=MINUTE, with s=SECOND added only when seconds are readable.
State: h=2 m=4
